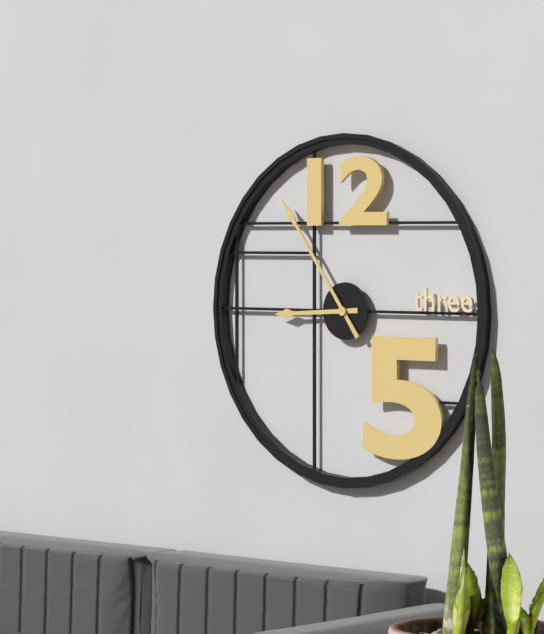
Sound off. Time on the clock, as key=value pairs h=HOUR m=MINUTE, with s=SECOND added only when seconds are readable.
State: h=8 m=54
